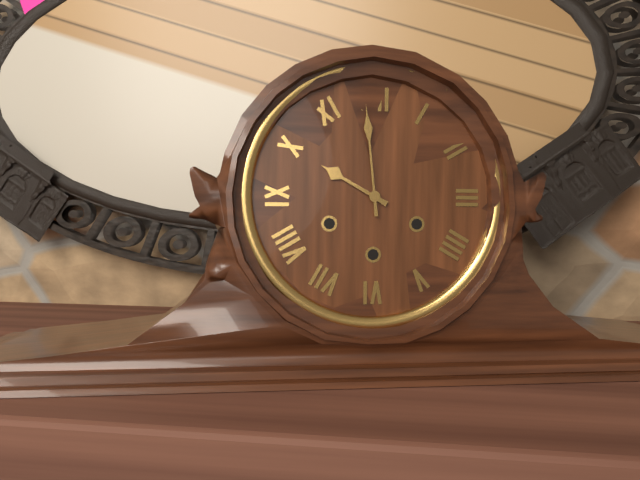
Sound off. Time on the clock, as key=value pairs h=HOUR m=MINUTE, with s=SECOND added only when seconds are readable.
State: h=9 m=59
